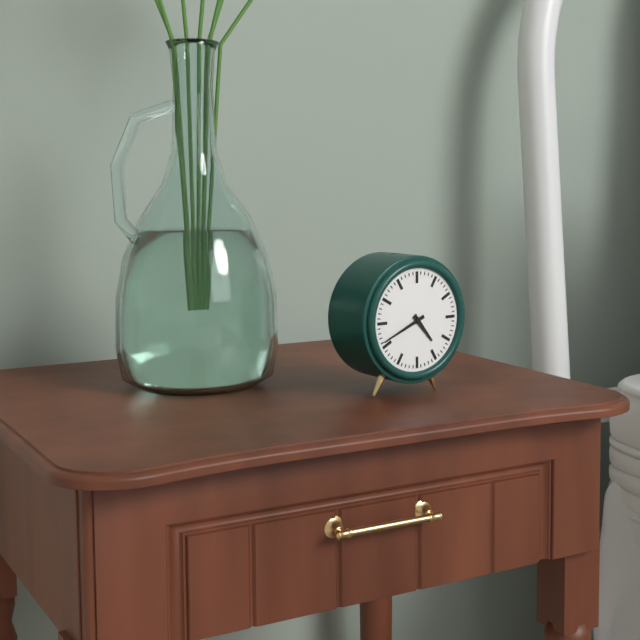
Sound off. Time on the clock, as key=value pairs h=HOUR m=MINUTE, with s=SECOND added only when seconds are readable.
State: h=4 m=41
